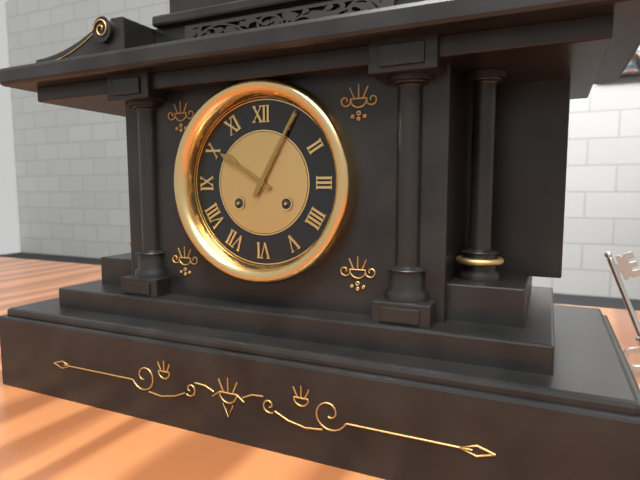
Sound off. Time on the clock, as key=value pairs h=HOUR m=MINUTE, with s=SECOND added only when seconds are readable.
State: h=10 m=5
